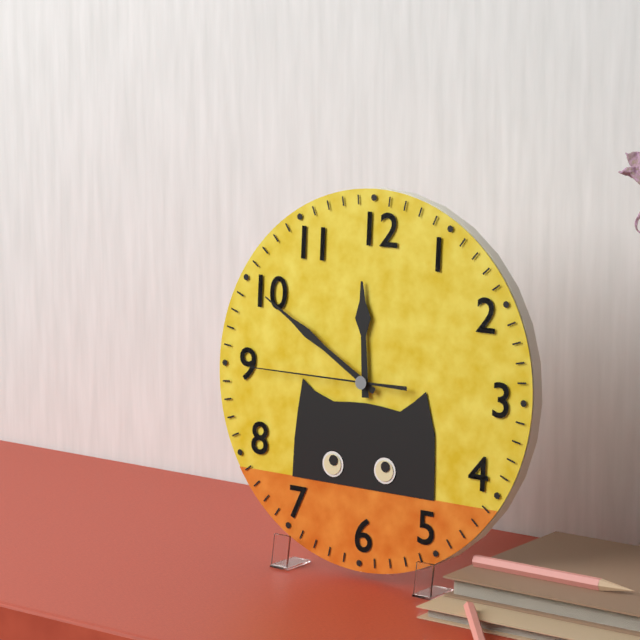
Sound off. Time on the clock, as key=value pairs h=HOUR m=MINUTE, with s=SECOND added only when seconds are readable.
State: h=11 m=50 s=45
